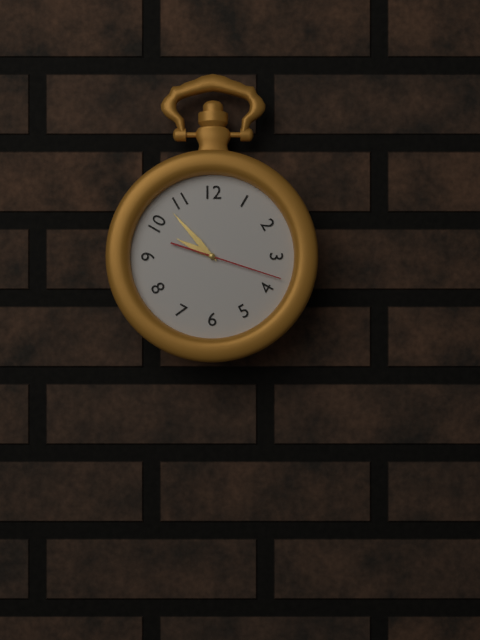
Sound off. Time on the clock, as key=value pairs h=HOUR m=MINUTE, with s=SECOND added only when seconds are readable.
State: h=9 m=53 s=18
